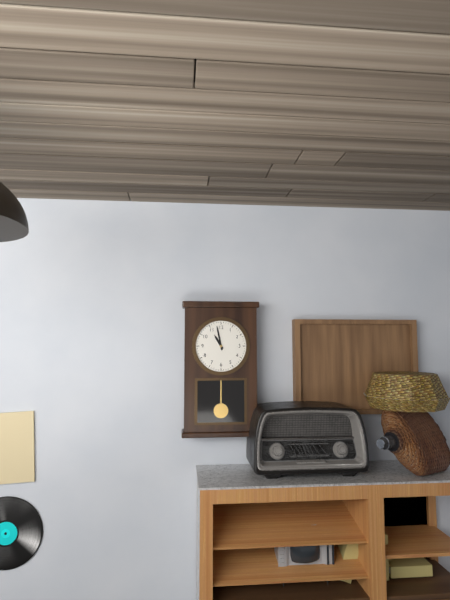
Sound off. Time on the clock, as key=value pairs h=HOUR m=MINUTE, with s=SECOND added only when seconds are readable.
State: h=10 m=58
